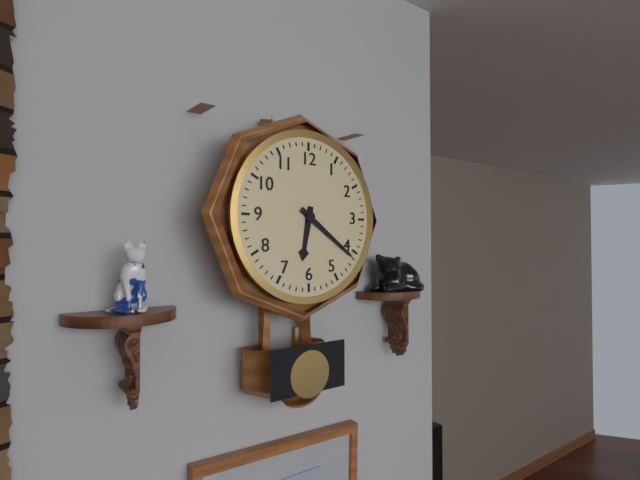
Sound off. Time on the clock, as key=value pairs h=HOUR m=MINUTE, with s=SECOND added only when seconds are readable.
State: h=6 m=21
